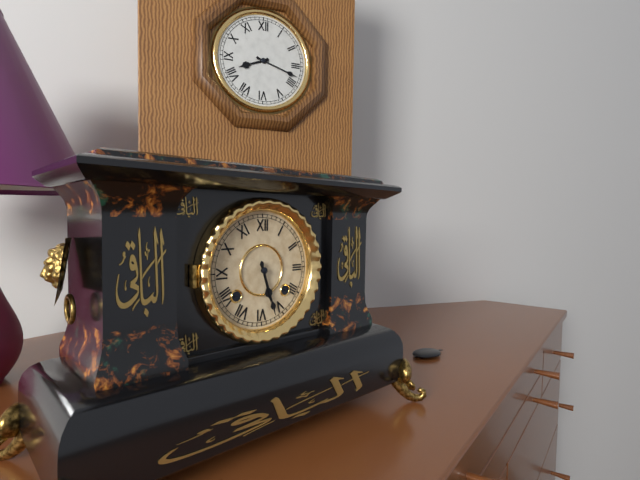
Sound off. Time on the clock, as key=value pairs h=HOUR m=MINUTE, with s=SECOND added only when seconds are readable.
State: h=5 m=27
